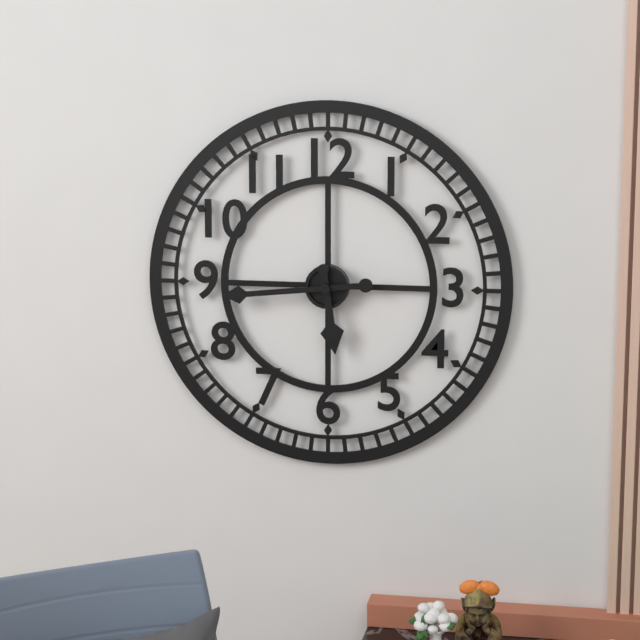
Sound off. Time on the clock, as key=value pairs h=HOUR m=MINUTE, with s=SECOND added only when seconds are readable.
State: h=5 m=44
